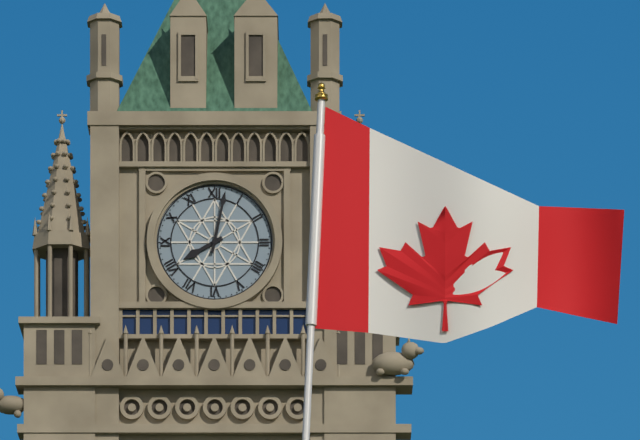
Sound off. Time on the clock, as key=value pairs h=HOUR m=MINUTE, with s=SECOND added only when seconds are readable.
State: h=8 m=2
